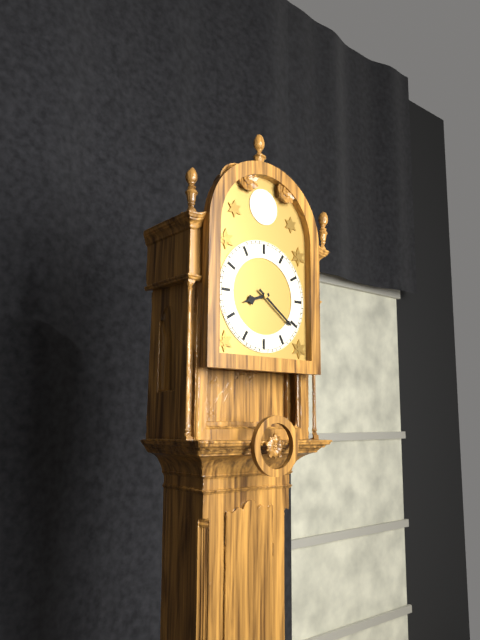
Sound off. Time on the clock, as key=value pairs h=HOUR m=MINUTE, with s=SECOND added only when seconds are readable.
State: h=8 m=21
